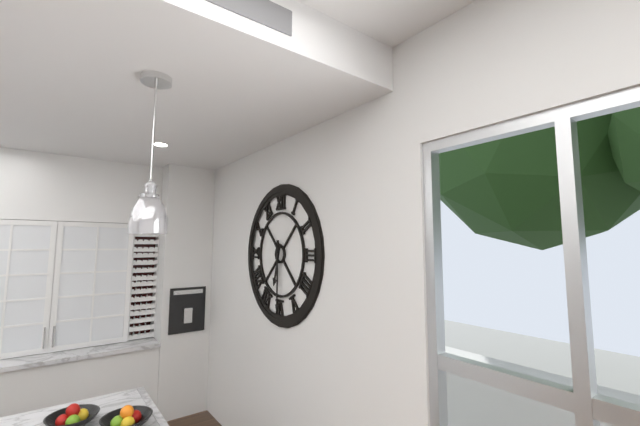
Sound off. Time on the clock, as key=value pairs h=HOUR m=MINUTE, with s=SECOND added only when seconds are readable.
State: h=6 m=30
